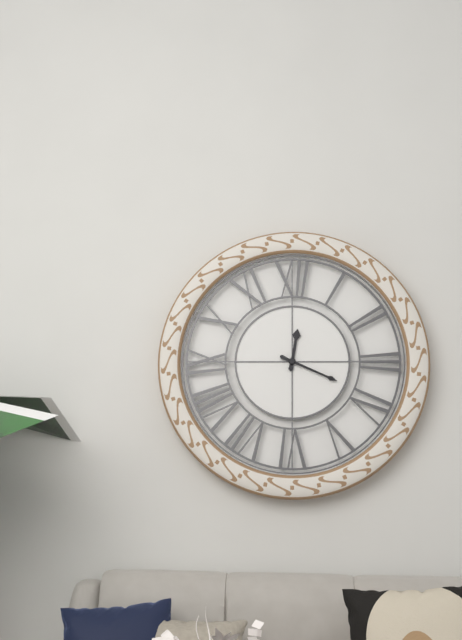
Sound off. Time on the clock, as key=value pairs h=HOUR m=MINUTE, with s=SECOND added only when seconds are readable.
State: h=12 m=19
